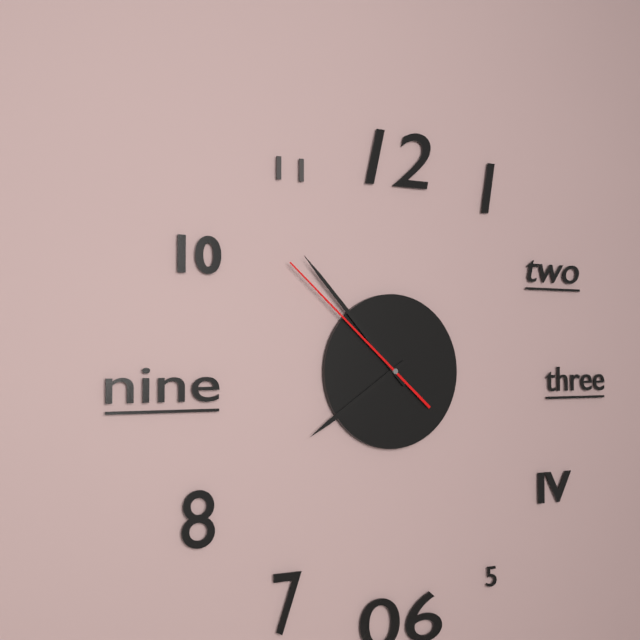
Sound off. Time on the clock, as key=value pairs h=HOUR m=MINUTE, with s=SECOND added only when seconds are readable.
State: h=7 m=53 s=52
